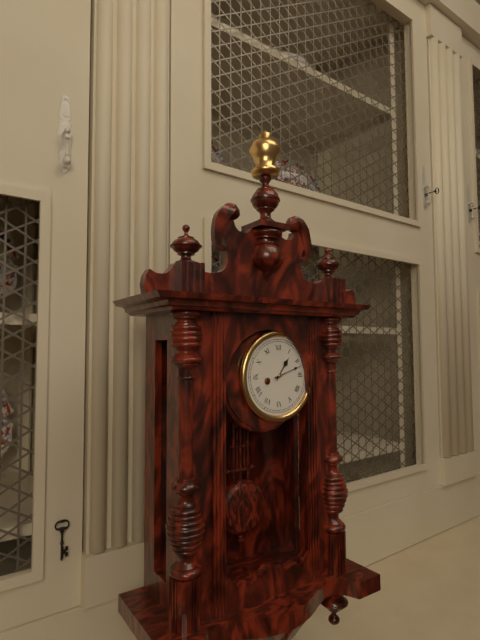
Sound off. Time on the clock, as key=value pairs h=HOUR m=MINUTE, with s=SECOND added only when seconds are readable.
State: h=1 m=12
